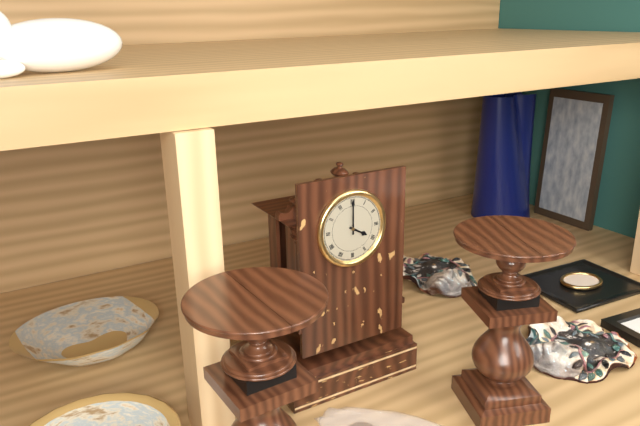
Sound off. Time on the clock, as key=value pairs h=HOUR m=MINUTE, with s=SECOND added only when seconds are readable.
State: h=4 m=0
